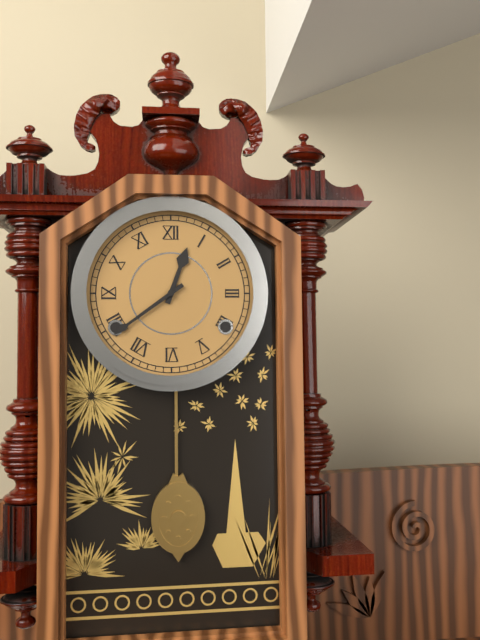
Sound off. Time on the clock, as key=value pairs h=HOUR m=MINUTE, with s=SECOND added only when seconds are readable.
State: h=12 m=39
